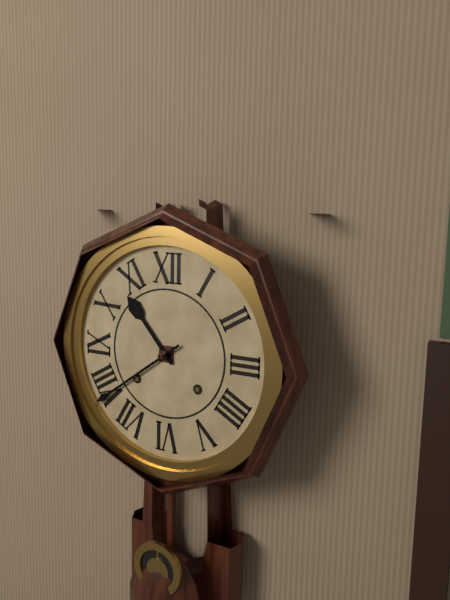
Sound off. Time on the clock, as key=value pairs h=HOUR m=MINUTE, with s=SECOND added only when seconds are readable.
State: h=10 m=39
